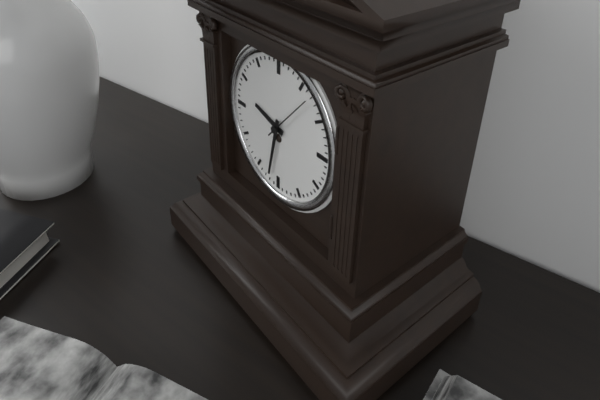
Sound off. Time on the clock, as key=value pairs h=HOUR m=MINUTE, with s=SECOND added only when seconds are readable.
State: h=9 m=32 s=7
